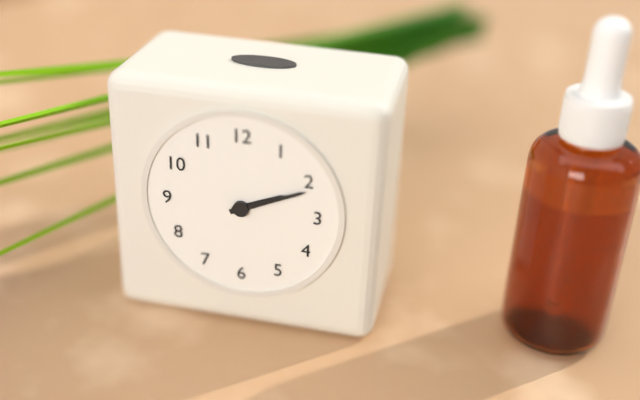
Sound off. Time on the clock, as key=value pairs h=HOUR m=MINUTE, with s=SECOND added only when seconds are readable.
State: h=2 m=11
